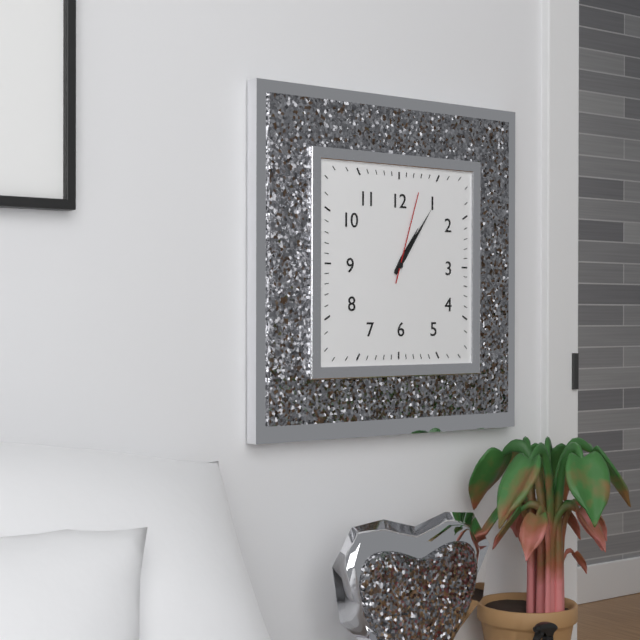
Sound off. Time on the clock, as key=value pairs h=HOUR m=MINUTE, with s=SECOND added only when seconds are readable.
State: h=1 m=6 s=3
